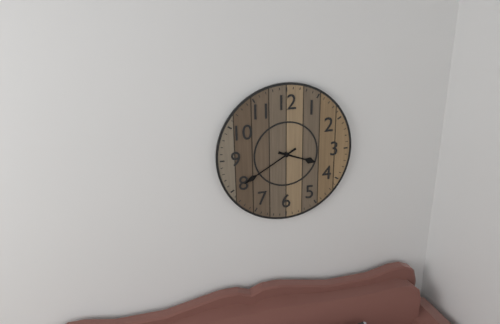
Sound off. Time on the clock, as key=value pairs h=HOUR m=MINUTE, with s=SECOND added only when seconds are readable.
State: h=3 m=40
